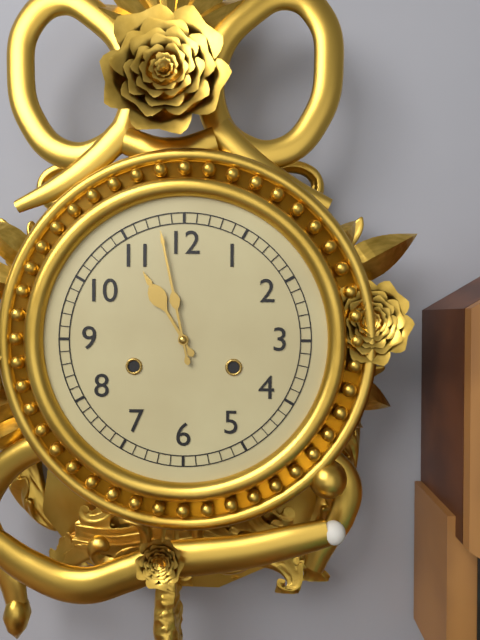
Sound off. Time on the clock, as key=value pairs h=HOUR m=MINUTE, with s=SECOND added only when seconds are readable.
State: h=10 m=58
